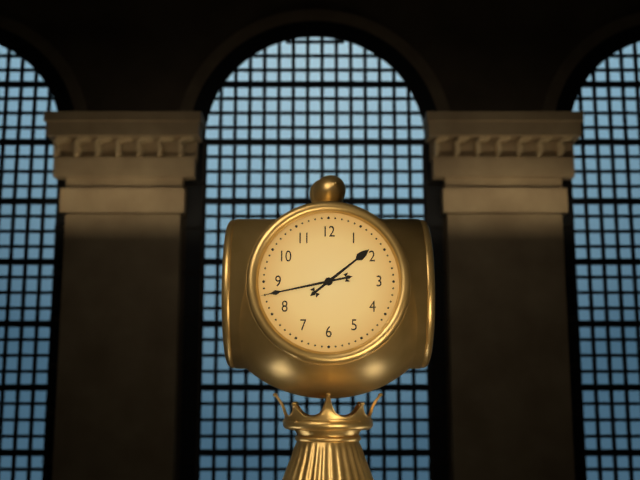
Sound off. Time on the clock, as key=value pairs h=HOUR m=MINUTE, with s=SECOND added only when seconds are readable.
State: h=1 m=43
